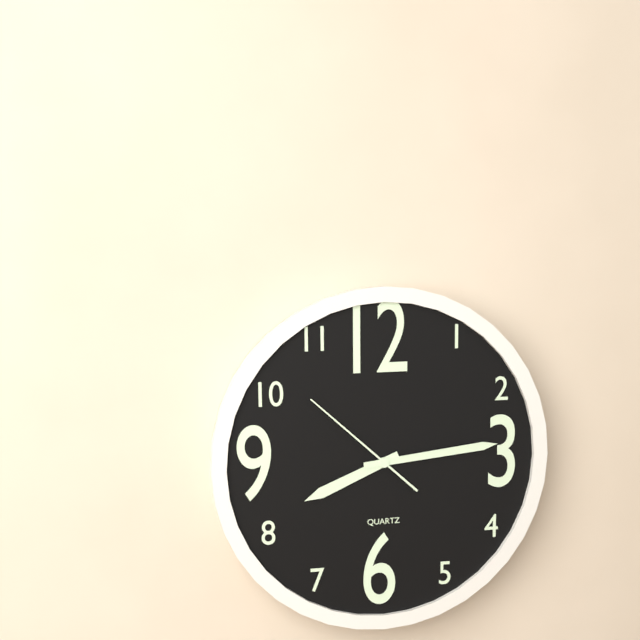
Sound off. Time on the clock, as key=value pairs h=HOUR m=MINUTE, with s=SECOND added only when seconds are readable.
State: h=8 m=14 s=52
